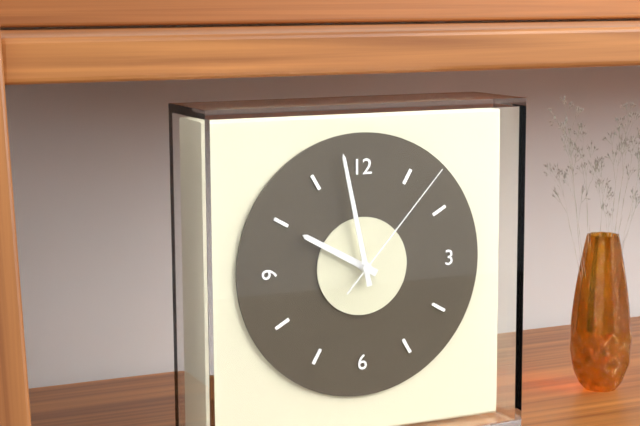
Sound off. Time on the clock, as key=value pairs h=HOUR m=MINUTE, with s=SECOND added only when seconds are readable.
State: h=9 m=58 s=7
